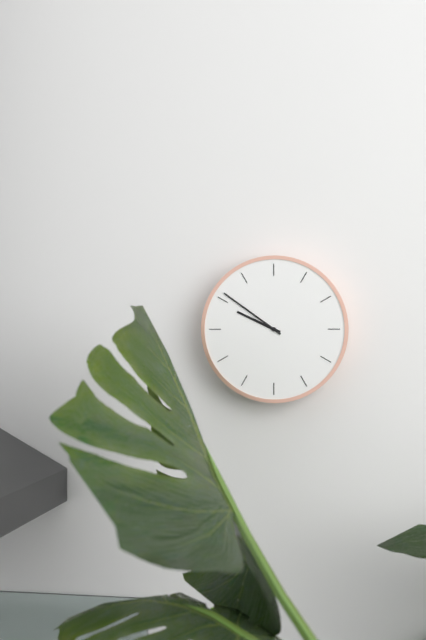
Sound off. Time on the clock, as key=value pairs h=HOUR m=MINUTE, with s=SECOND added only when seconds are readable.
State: h=9 m=51
